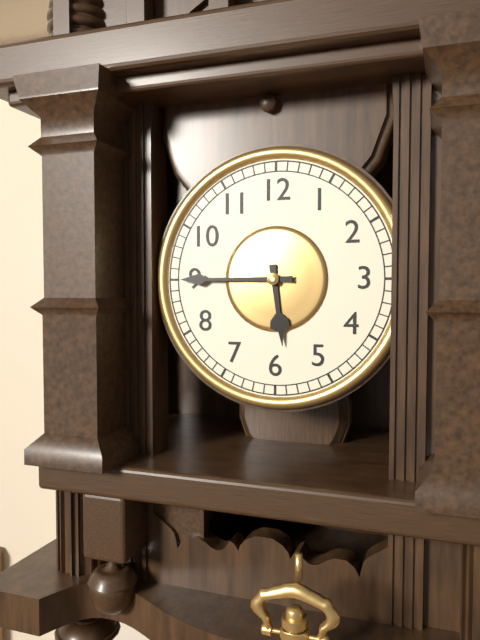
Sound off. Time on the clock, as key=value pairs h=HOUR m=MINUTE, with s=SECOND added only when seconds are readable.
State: h=5 m=45
